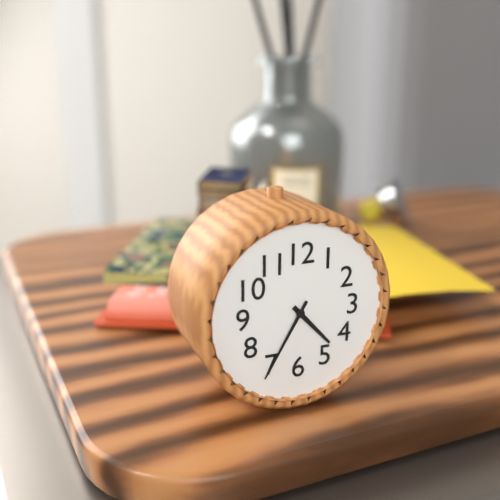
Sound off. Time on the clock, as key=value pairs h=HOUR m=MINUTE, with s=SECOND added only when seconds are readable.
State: h=4 m=35
